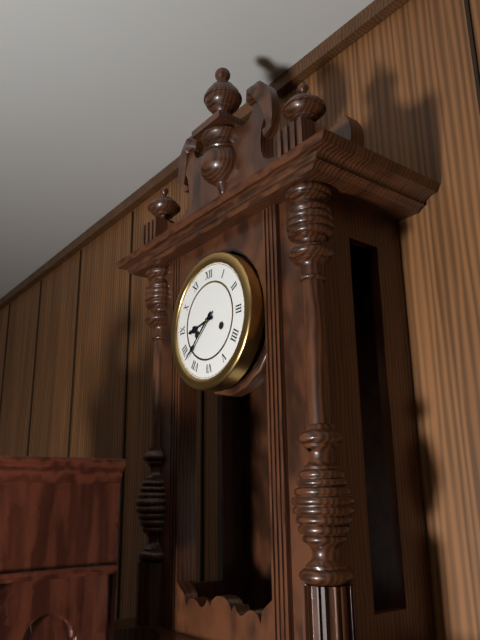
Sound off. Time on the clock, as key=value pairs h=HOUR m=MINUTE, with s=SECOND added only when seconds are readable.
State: h=8 m=38
